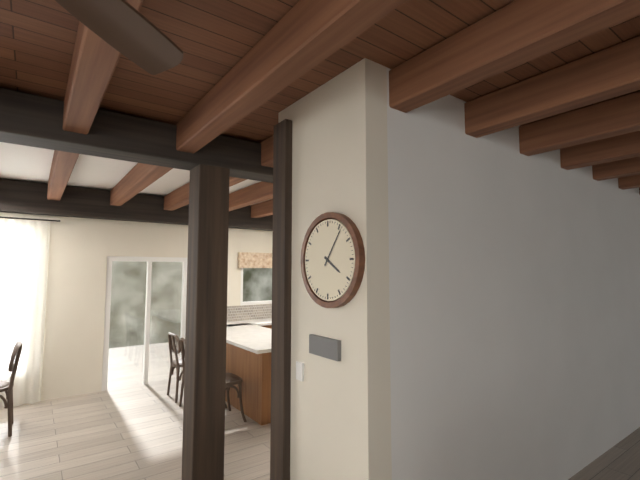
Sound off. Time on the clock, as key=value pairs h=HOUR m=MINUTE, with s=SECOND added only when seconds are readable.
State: h=4 m=6
